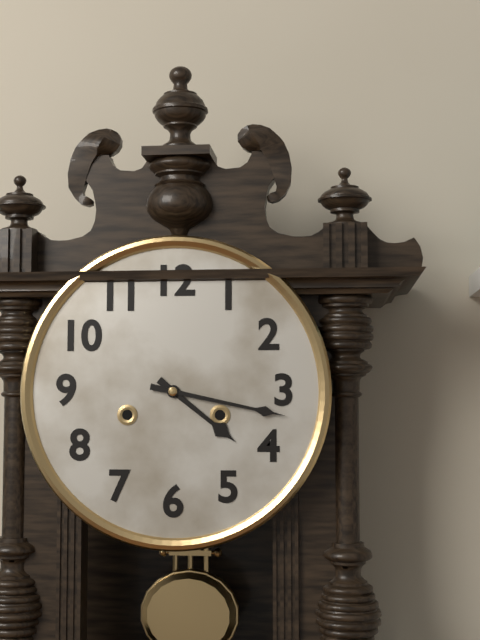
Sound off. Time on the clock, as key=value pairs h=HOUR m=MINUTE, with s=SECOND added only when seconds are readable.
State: h=4 m=17
